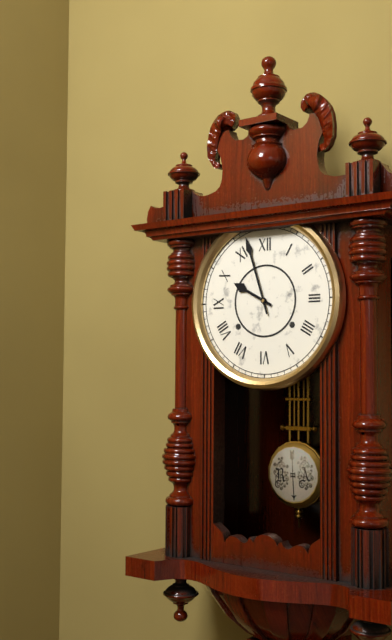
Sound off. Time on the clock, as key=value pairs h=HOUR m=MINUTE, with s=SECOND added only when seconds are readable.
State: h=9 m=57
